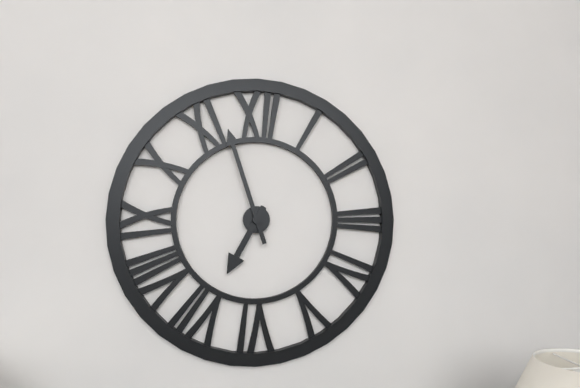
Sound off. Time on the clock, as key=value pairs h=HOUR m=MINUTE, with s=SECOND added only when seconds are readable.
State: h=6 m=57
